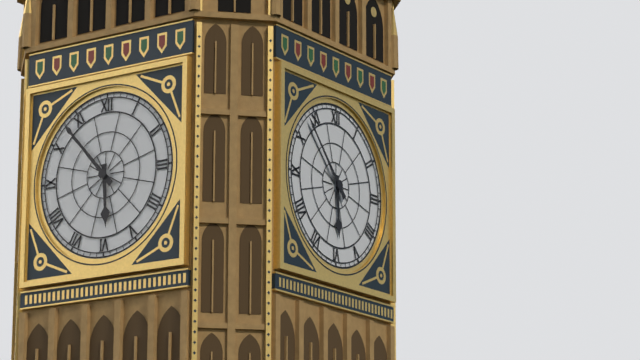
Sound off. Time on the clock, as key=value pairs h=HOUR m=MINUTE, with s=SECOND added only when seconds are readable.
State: h=5 m=53
